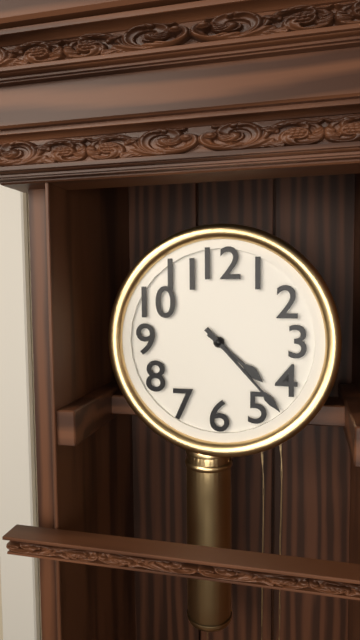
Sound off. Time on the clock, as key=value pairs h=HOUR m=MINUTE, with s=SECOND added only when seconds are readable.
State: h=4 m=23
